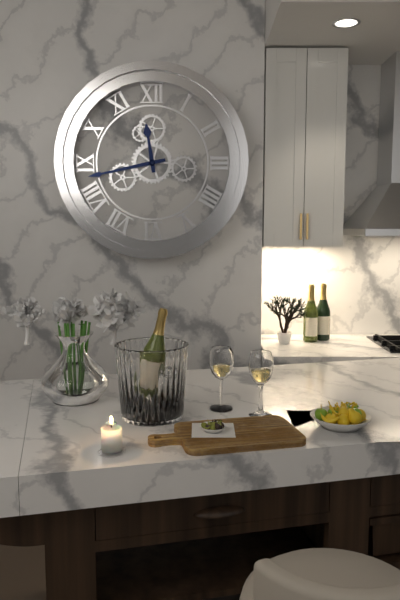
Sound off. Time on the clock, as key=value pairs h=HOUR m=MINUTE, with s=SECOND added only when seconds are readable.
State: h=11 m=43
